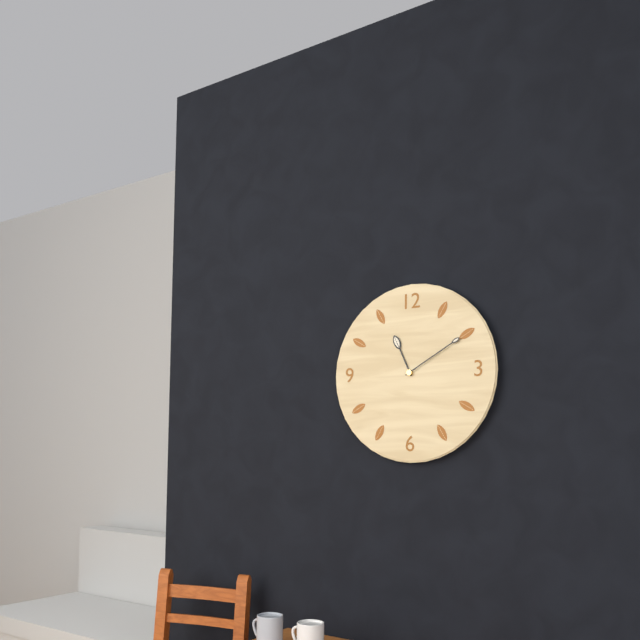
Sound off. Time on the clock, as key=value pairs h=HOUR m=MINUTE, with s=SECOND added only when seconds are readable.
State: h=11 m=10
